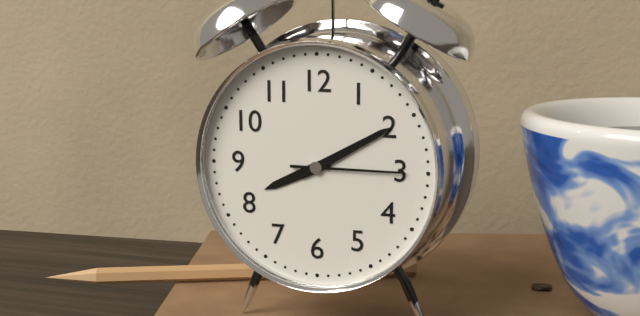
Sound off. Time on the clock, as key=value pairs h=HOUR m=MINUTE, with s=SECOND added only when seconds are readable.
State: h=8 m=10 s=15
